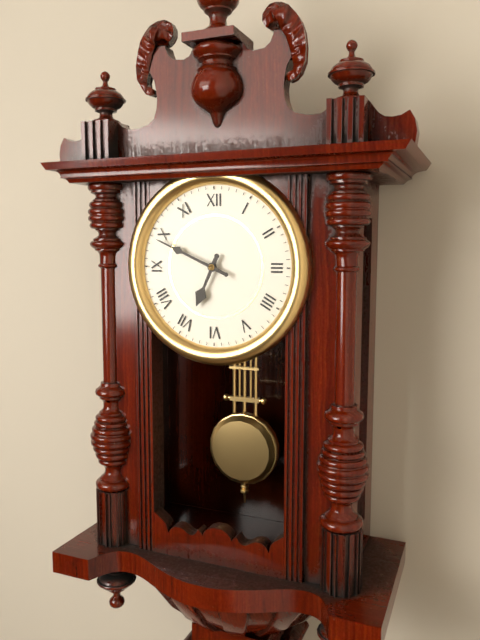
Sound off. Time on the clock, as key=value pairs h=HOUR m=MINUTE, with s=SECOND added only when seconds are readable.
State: h=6 m=49
